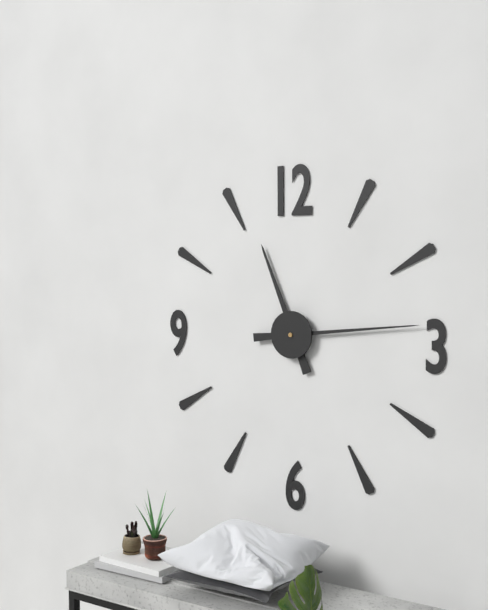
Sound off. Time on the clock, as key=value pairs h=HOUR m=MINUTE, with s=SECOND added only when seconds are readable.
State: h=11 m=14
